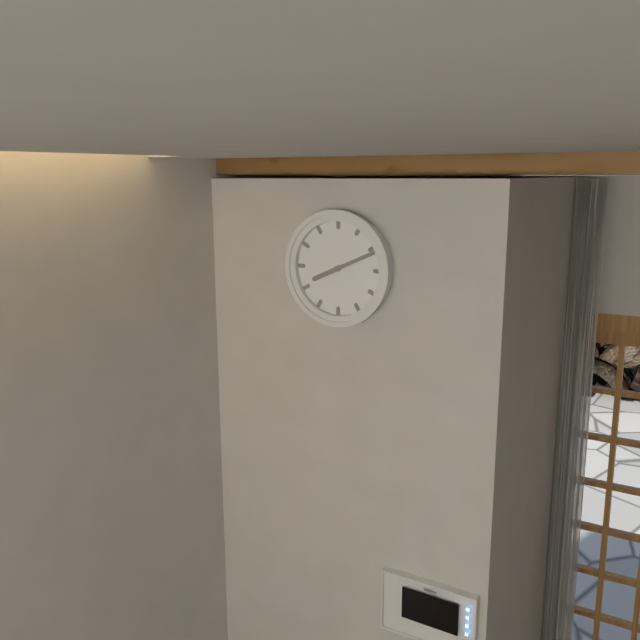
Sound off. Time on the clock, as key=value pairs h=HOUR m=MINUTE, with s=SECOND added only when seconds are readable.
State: h=8 m=11
